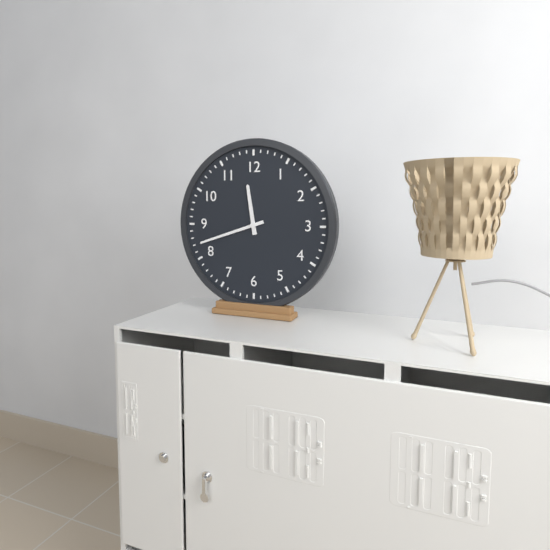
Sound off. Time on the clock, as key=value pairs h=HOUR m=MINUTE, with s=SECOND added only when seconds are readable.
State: h=11 m=42
